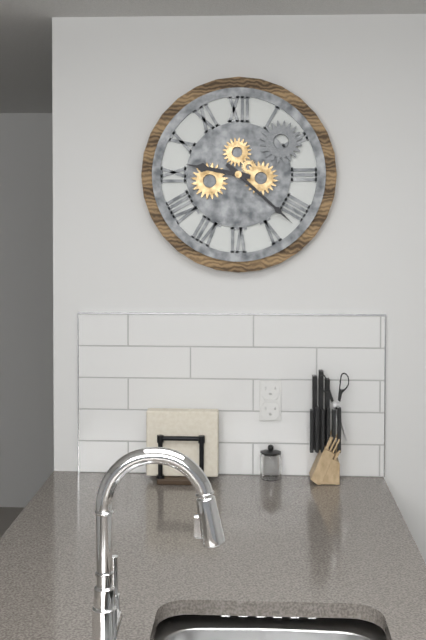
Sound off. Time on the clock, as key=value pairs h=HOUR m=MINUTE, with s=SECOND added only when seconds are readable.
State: h=9 m=22
